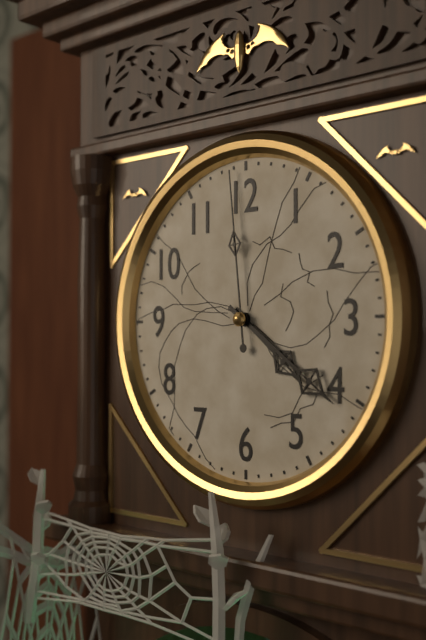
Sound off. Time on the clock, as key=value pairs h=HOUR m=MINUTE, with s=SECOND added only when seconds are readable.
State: h=4 m=21 s=59
